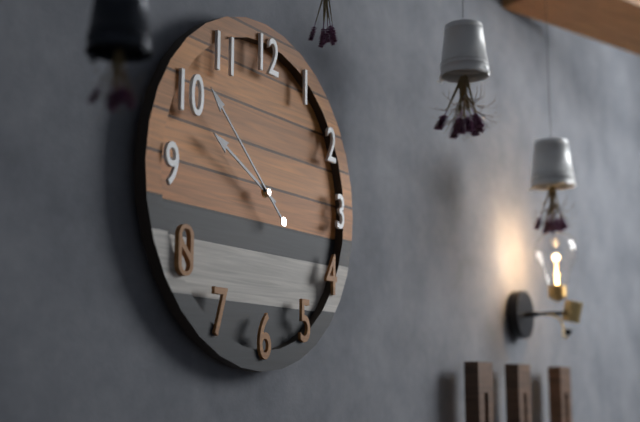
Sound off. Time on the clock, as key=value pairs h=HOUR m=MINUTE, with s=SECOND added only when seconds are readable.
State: h=9 m=52
